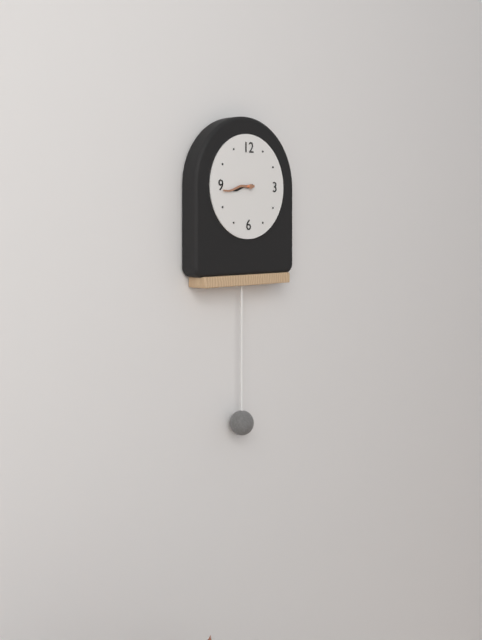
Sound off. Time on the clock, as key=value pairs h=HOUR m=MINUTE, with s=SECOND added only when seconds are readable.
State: h=8 m=44
